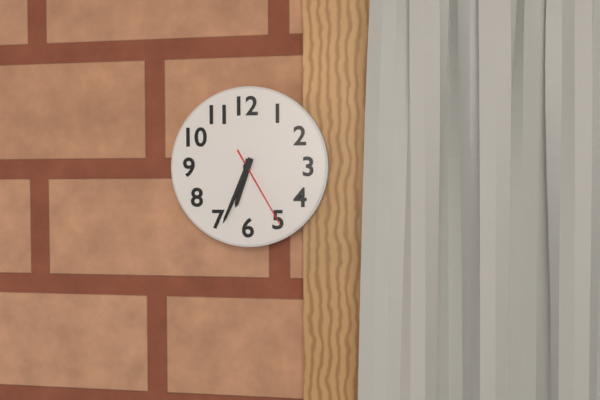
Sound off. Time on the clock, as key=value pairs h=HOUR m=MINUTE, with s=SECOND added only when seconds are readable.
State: h=6 m=34 s=25
